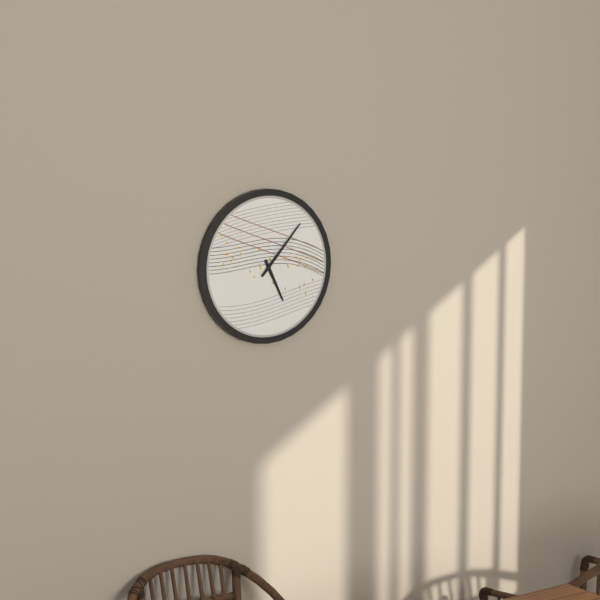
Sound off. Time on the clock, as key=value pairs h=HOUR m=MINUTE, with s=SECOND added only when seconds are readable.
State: h=5 m=7
